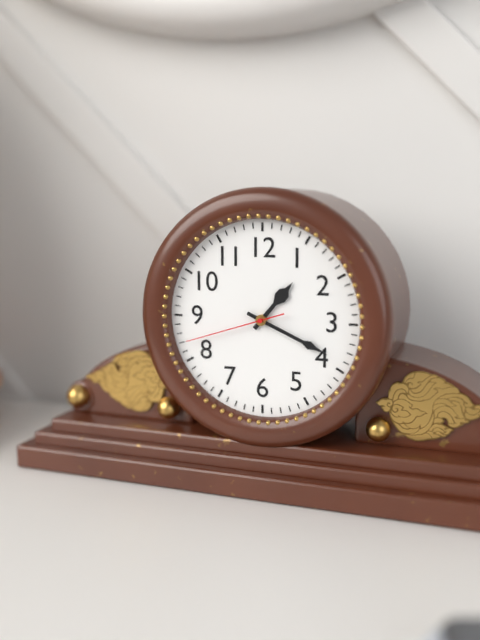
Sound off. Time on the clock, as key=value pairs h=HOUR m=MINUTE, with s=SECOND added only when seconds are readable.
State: h=1 m=19 s=42
